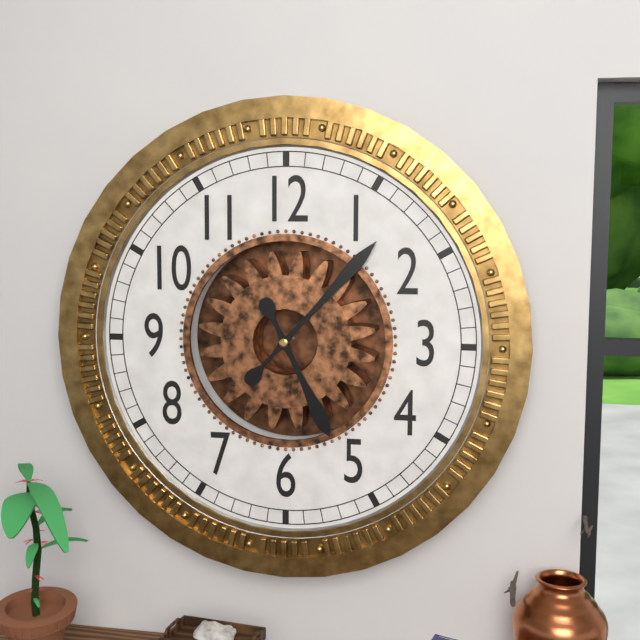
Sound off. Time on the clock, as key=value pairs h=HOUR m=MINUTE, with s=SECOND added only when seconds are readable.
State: h=5 m=7
